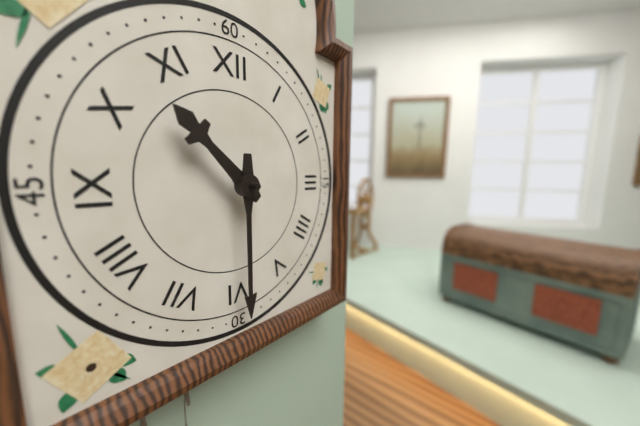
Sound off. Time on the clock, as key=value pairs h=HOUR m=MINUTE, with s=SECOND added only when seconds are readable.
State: h=10 m=30
